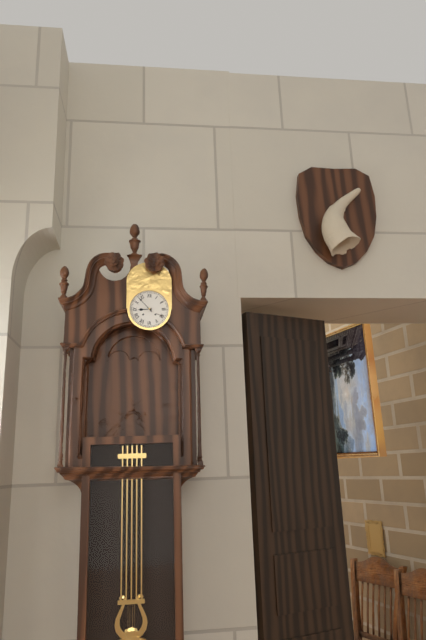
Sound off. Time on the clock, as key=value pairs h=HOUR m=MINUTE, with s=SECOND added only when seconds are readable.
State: h=8 m=53
